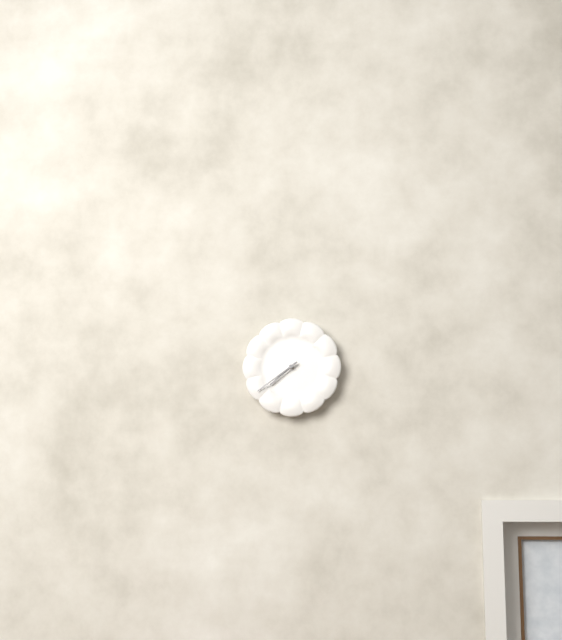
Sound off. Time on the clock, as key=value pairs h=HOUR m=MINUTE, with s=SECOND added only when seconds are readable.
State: h=7 m=39
